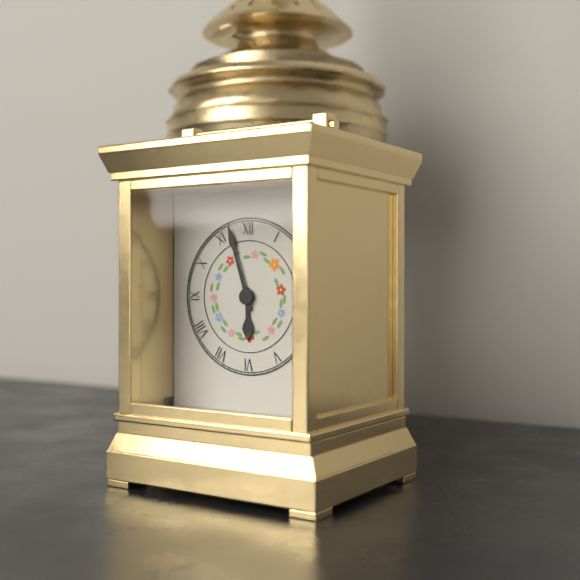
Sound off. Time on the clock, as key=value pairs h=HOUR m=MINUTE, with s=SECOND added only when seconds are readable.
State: h=5 m=57
